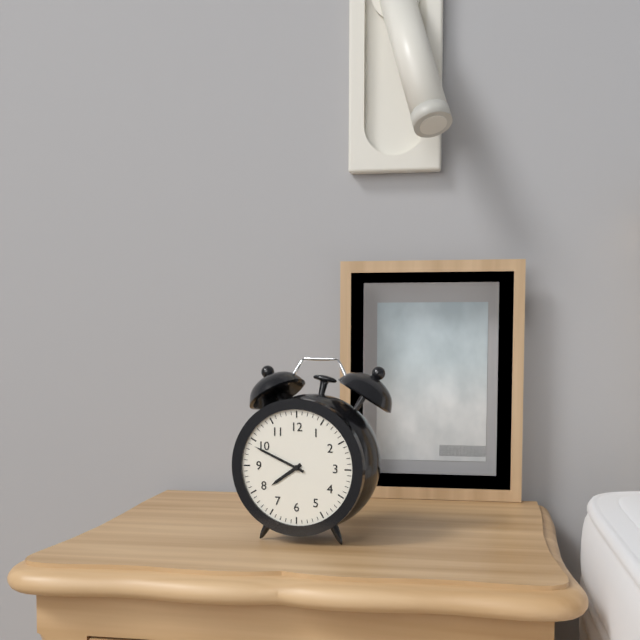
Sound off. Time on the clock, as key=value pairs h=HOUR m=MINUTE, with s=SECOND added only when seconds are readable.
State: h=7 m=49
